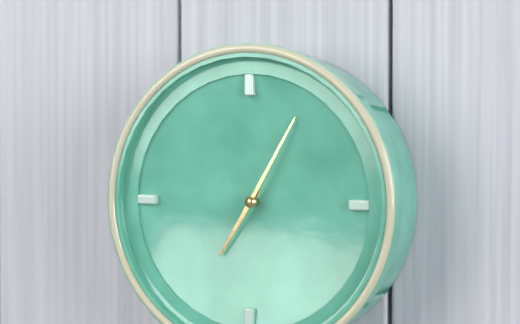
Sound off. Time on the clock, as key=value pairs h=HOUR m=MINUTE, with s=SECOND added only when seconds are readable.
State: h=7 m=5
